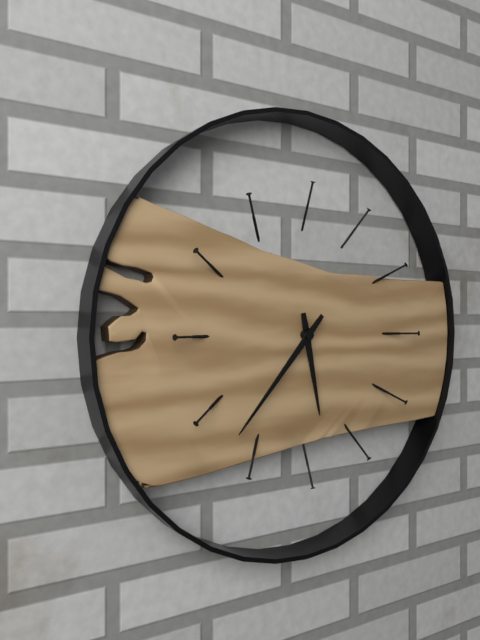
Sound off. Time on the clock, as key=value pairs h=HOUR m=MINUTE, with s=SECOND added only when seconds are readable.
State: h=5 m=37
